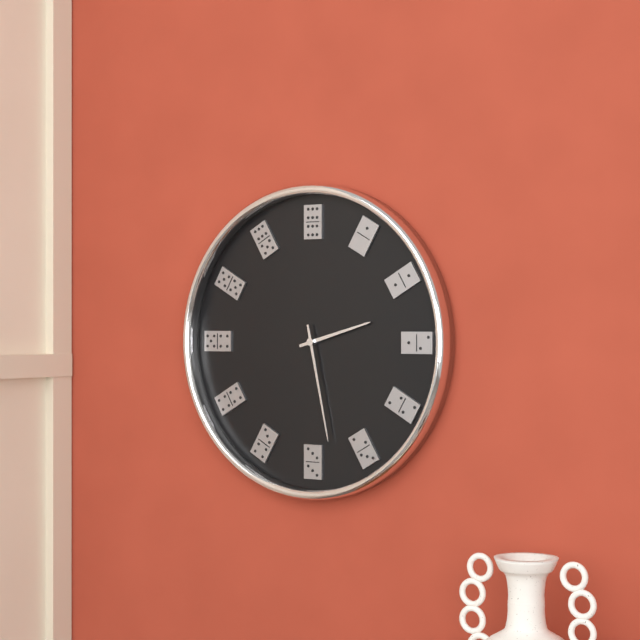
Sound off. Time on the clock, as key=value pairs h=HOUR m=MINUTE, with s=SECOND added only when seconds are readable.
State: h=2 m=28
